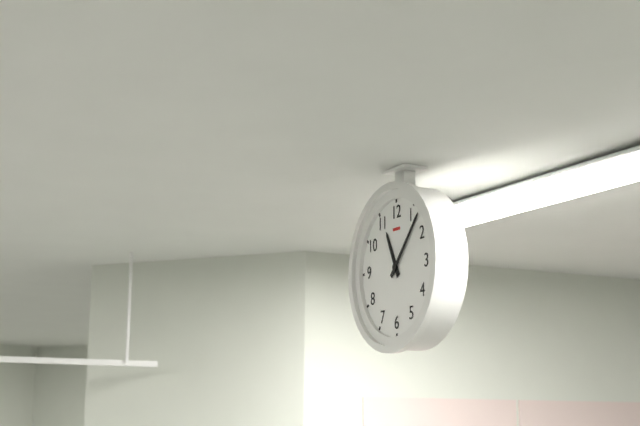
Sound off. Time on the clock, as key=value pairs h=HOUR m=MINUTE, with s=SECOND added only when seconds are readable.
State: h=11 m=7
